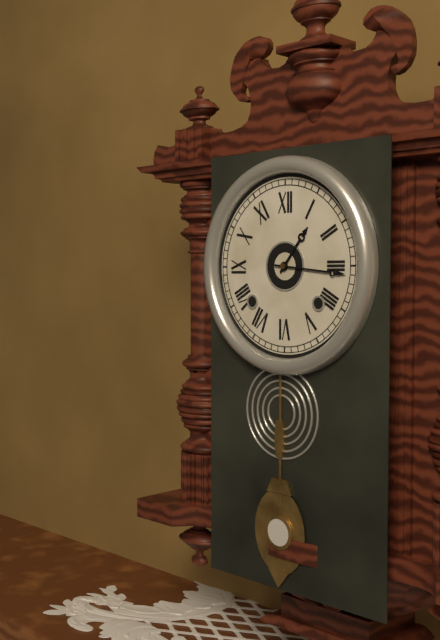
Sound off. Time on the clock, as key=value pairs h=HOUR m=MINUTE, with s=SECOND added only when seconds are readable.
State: h=1 m=16
